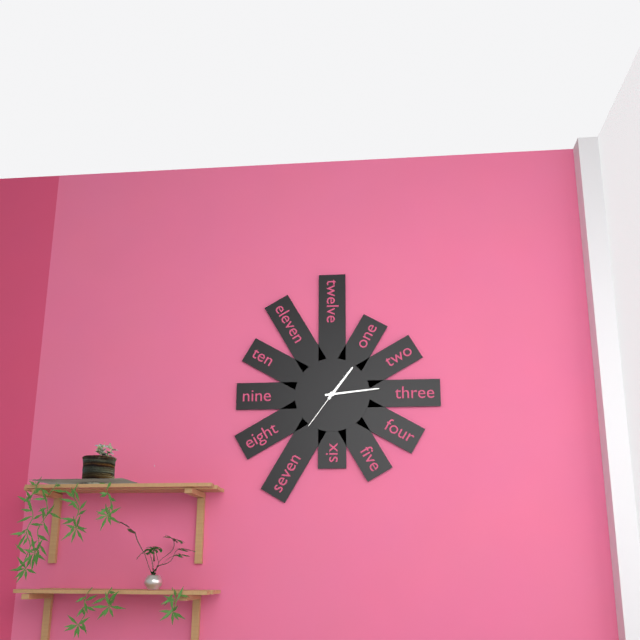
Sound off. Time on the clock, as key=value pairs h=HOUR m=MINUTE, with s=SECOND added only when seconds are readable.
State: h=1 m=14 s=36
